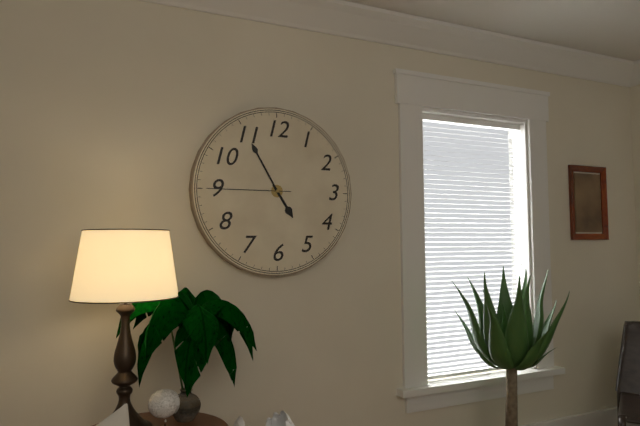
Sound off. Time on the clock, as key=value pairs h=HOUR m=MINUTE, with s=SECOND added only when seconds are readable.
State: h=4 m=55 s=45
